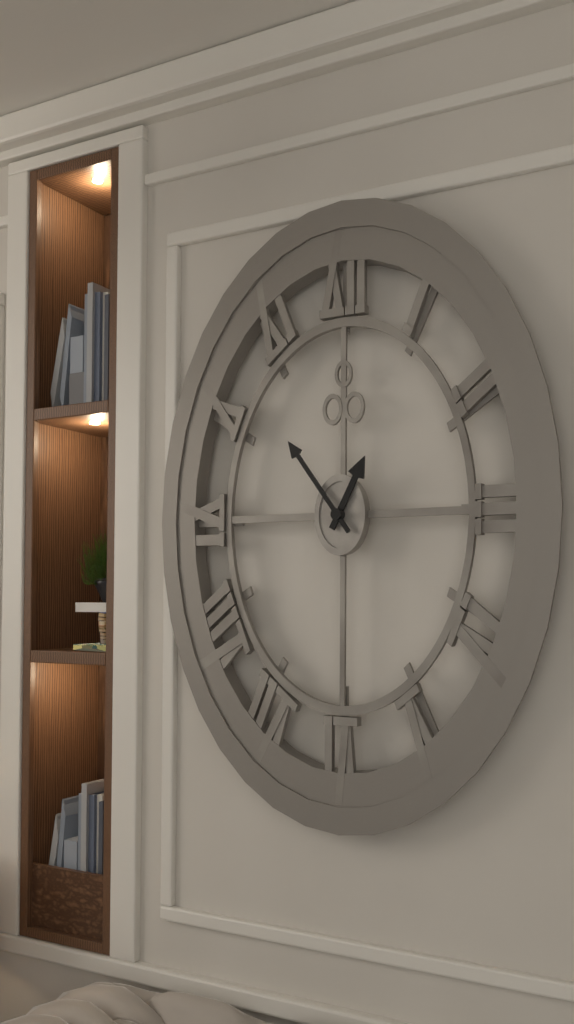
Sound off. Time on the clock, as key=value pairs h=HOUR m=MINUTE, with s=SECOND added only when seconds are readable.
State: h=12 m=54
